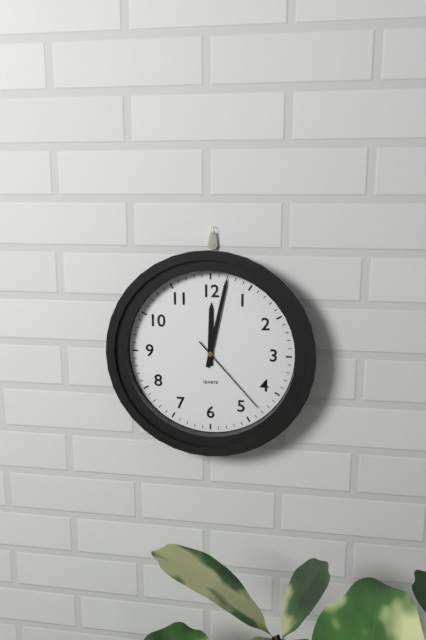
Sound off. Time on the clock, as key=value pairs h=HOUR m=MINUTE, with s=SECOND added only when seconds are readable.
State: h=12 m=2 s=23
